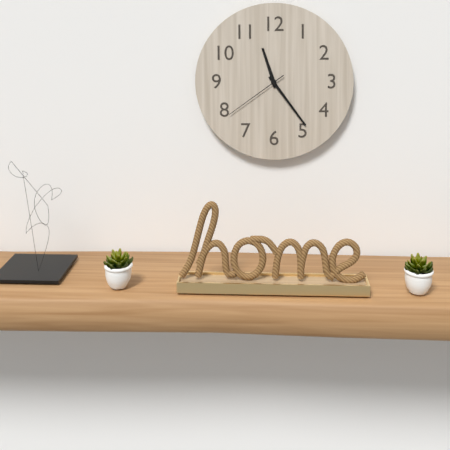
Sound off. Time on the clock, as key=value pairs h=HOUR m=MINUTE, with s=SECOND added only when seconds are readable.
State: h=11 m=24 s=39
